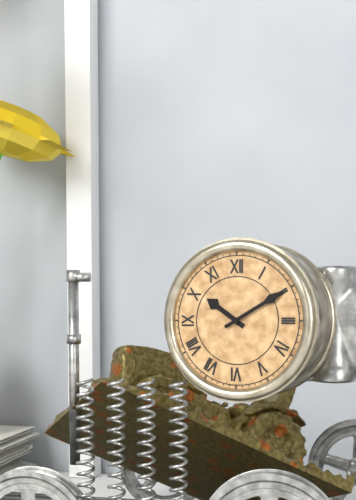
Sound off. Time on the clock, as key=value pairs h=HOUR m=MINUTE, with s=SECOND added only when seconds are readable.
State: h=10 m=10
